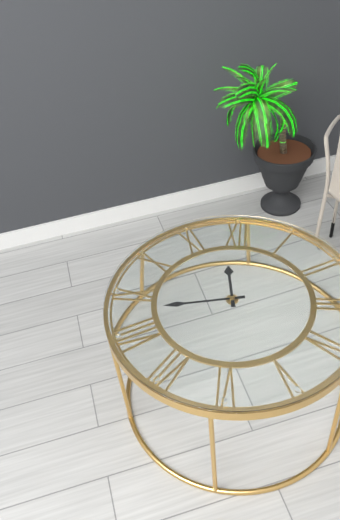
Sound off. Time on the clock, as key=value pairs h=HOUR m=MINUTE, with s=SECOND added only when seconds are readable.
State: h=11 m=43
